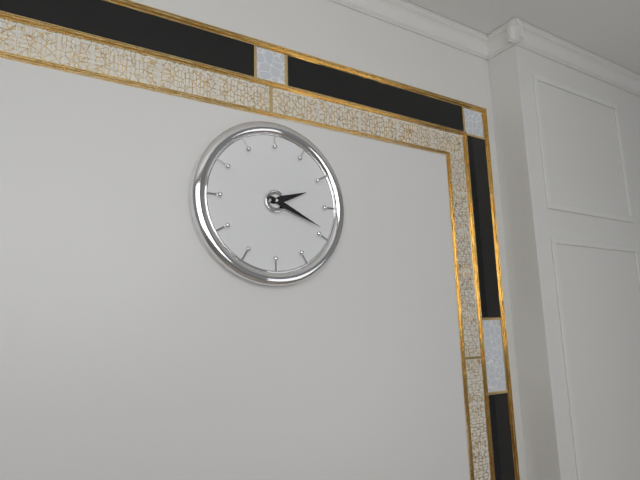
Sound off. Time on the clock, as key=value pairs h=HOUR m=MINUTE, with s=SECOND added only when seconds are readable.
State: h=2 m=19
